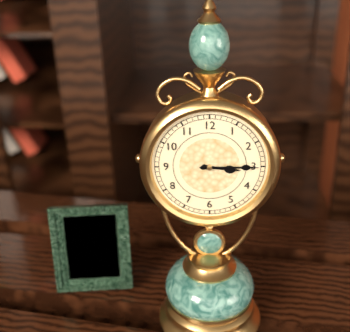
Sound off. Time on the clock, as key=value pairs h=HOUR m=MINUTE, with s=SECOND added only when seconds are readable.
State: h=3 m=15
